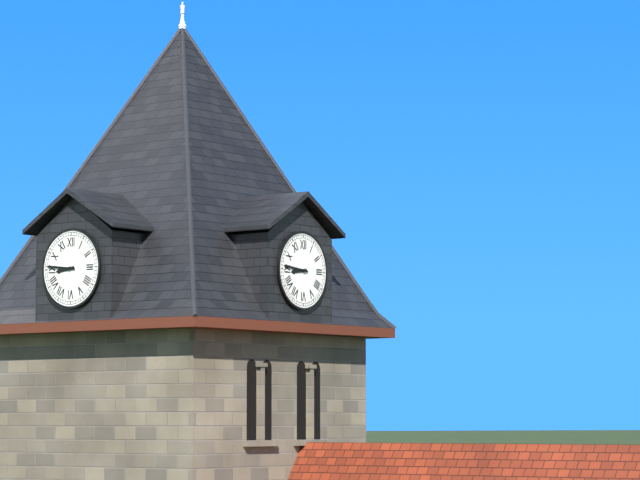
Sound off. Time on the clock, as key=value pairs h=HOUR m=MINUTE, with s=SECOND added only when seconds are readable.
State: h=8 m=46
